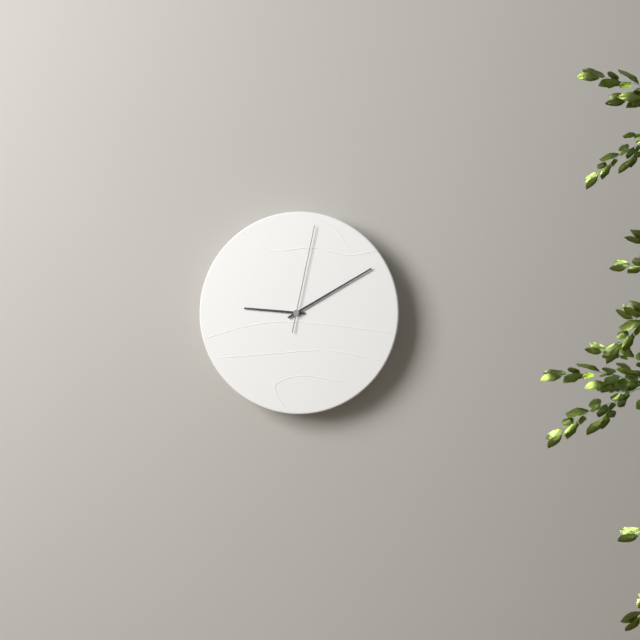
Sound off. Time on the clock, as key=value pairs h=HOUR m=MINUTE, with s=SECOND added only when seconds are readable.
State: h=9 m=10 s=2
